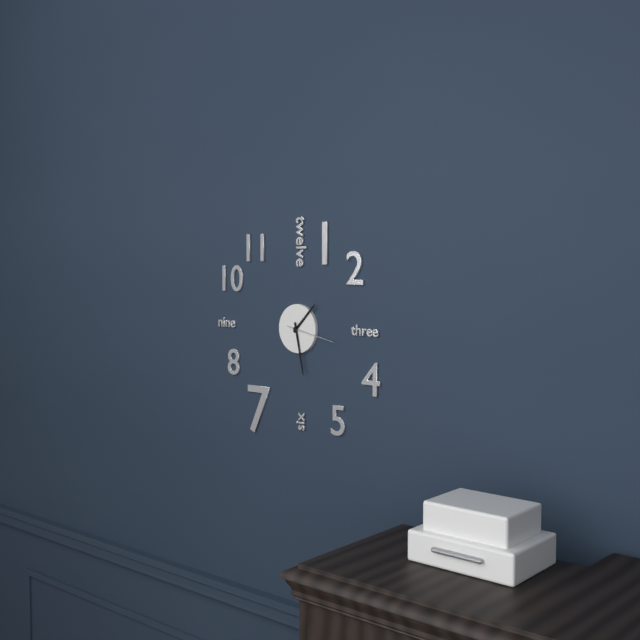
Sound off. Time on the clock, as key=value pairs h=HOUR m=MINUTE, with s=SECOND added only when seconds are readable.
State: h=1 m=28 s=17
